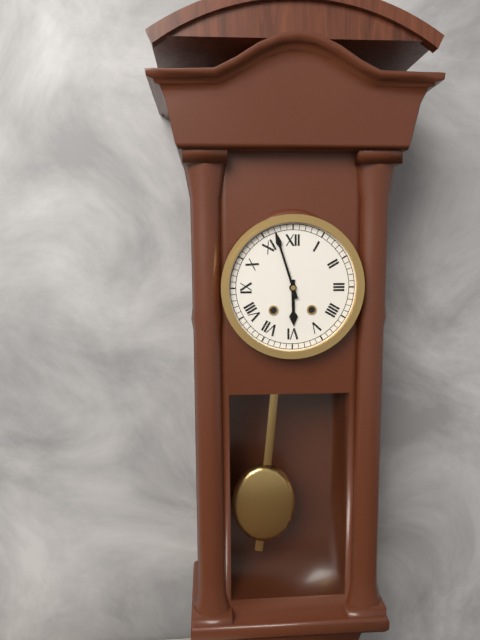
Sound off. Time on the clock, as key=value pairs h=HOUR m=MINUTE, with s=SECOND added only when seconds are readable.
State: h=5 m=57
